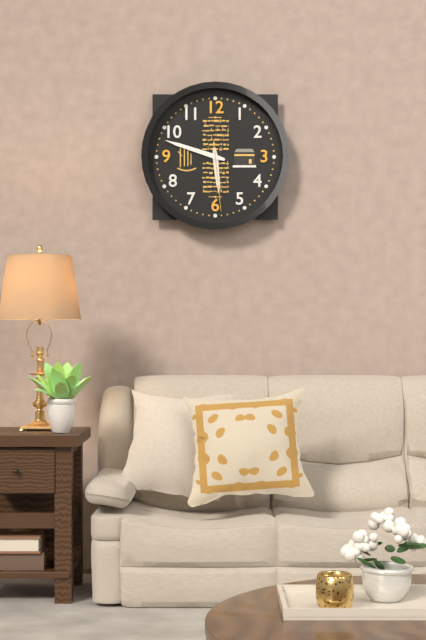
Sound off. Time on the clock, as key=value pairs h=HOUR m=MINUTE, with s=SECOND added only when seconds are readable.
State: h=5 m=48 s=29
